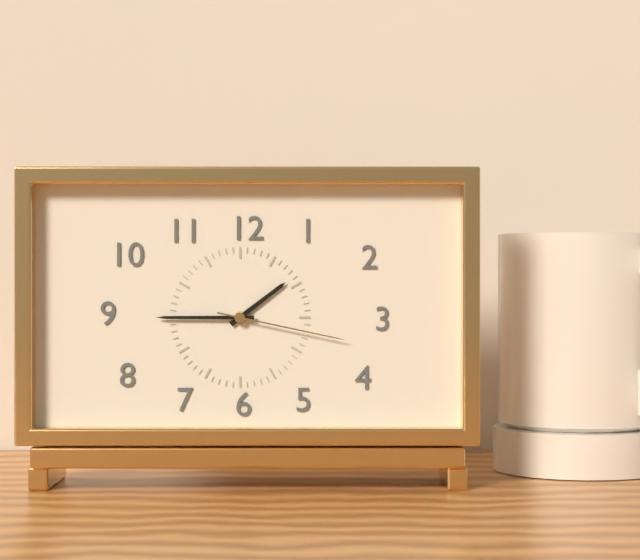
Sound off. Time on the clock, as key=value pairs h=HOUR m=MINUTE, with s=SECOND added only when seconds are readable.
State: h=1 m=45 s=17
